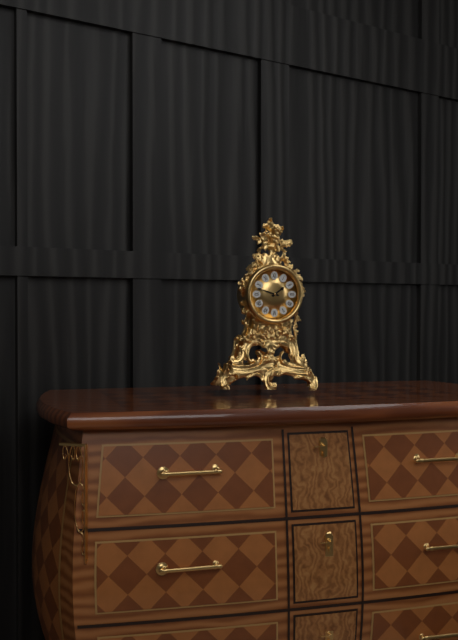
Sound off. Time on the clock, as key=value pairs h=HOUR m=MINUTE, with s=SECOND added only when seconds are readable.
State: h=1 m=48
